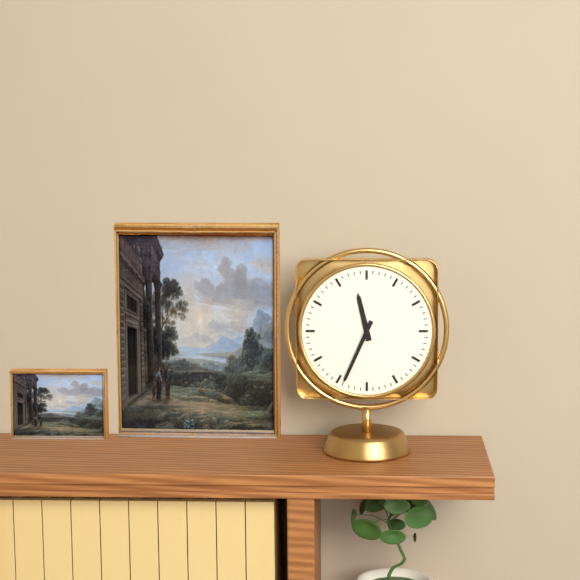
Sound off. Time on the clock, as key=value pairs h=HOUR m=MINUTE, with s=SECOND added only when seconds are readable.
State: h=11 m=34
